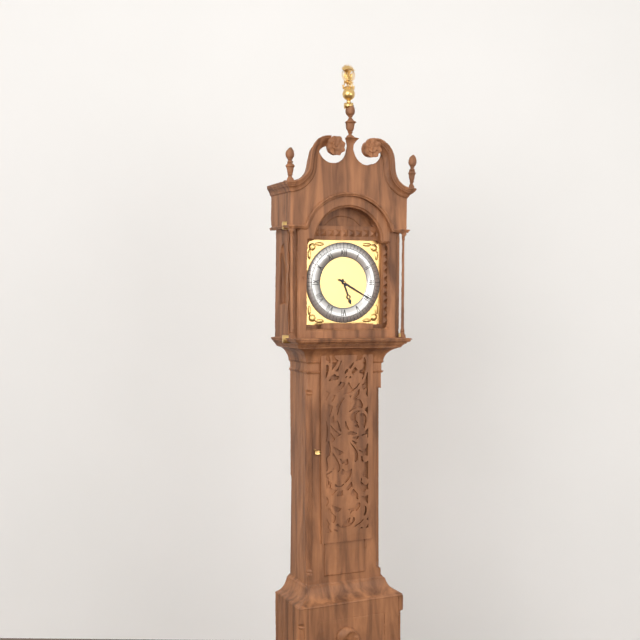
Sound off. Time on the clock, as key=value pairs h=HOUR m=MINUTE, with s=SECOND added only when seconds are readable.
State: h=5 m=20
